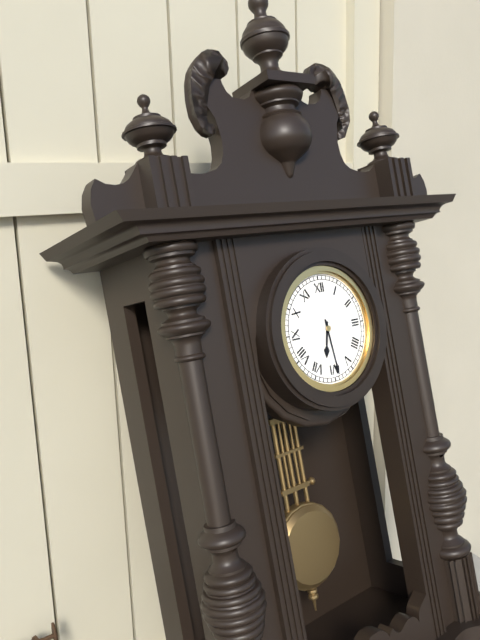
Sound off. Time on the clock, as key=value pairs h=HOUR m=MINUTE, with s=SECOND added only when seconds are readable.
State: h=6 m=29
